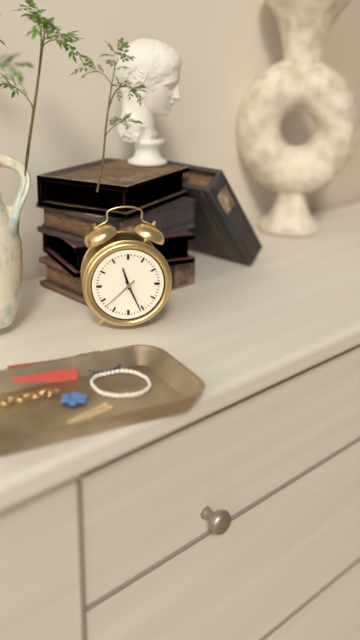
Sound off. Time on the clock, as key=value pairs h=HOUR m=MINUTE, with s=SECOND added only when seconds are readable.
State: h=11 m=26
